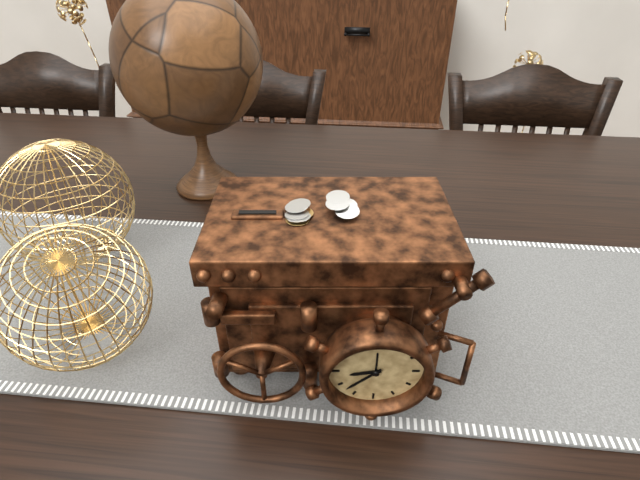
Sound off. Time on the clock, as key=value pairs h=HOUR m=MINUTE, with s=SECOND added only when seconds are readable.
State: h=8 m=38
